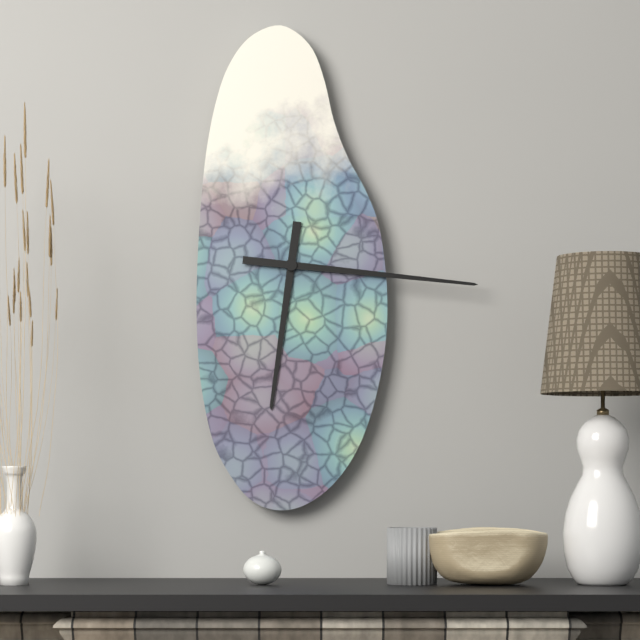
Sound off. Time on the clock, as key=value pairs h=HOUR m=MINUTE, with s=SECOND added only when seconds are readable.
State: h=6 m=16
